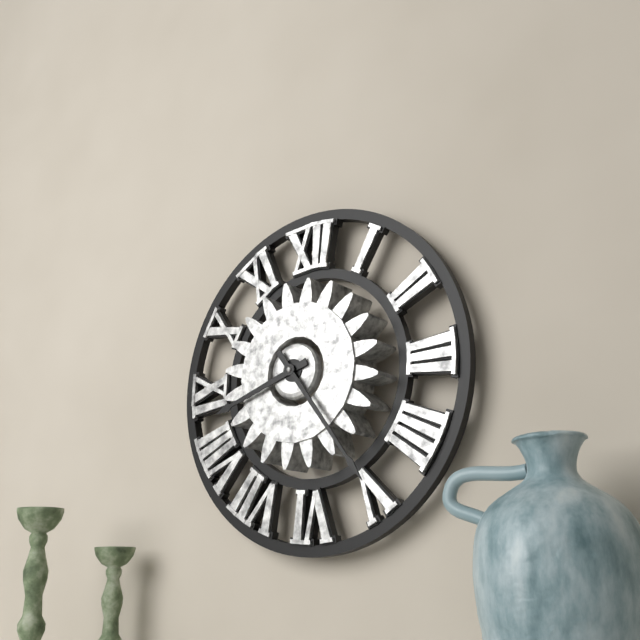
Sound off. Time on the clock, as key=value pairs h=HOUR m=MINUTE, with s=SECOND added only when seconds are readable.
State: h=8 m=24
